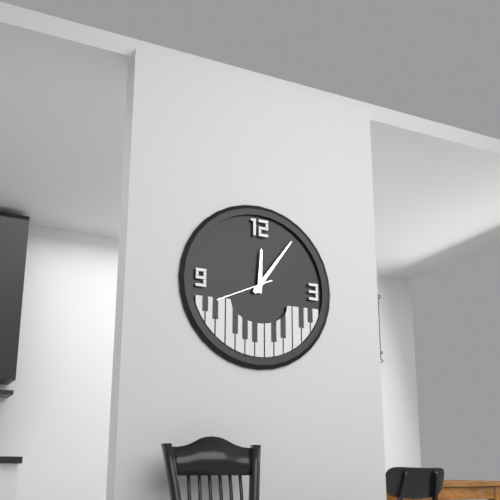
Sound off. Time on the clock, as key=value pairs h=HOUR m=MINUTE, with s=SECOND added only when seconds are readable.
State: h=12 m=6 s=41
